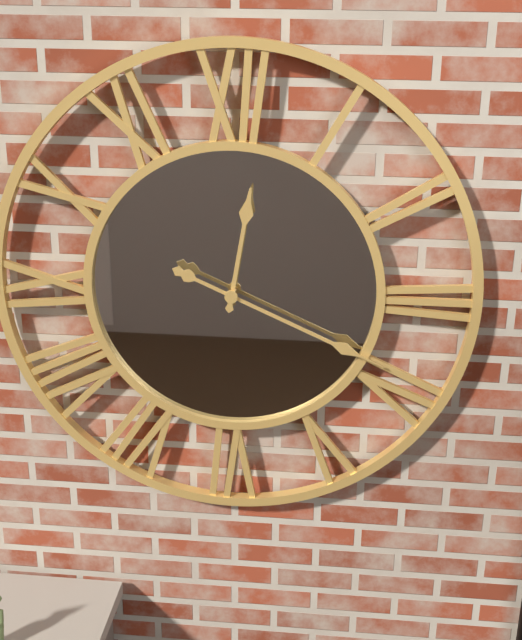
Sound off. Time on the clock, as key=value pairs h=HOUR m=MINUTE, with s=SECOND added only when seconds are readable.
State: h=12 m=19
